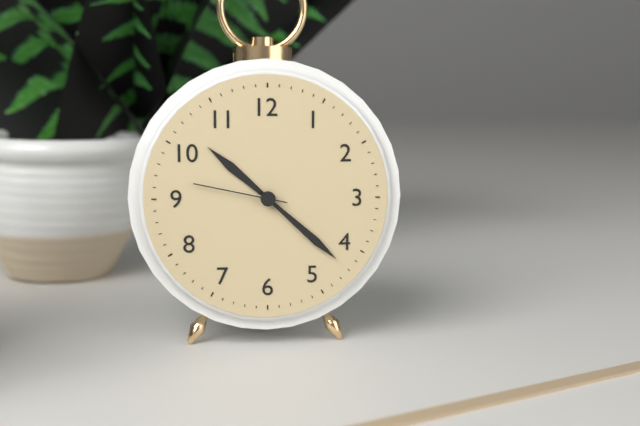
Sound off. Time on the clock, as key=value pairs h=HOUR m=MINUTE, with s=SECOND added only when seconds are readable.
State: h=10 m=22 s=47
